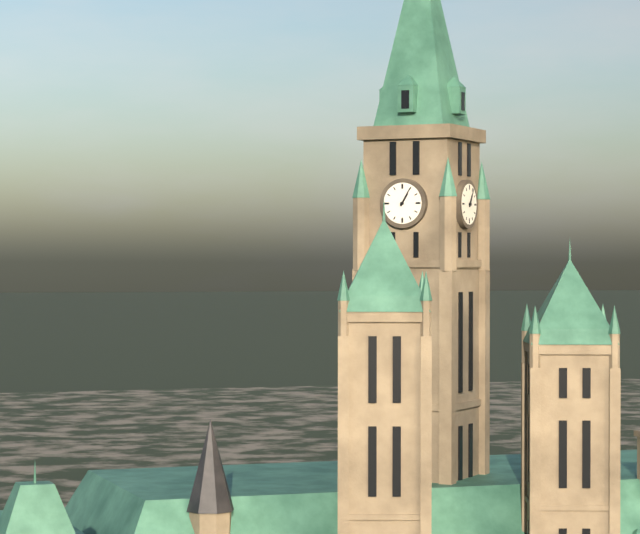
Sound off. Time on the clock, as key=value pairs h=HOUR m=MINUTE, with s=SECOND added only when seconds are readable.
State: h=1 m=5
